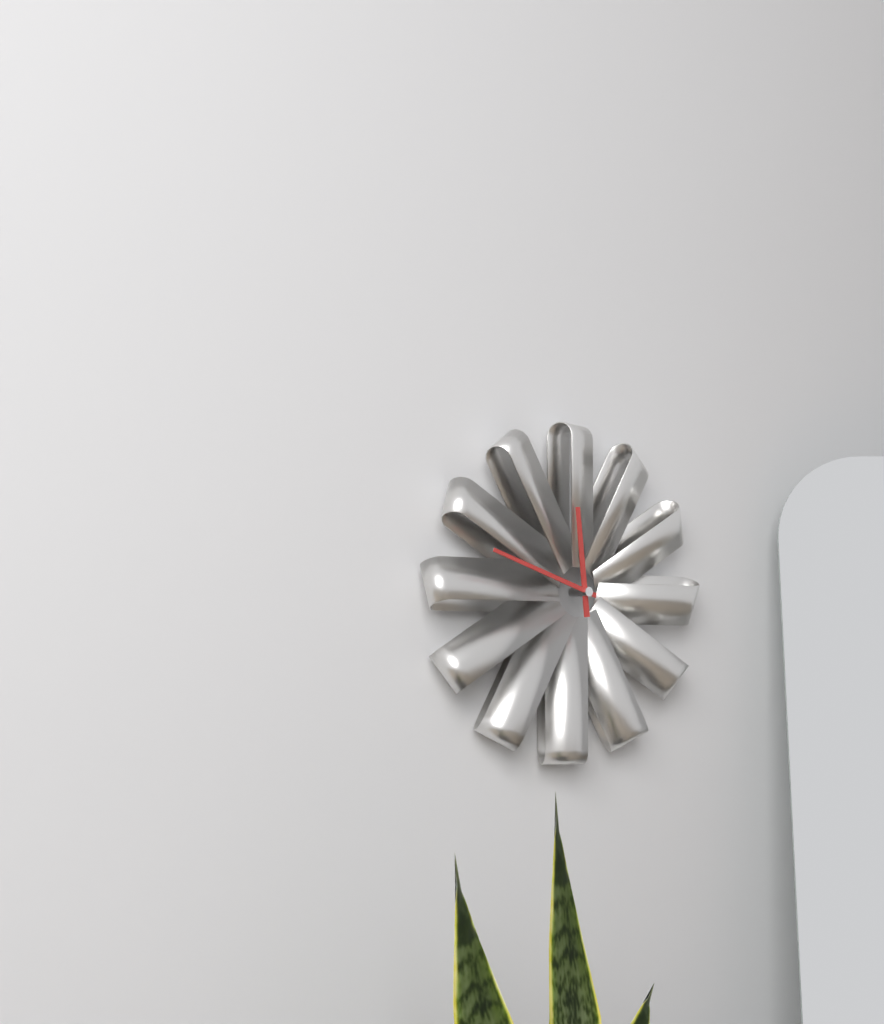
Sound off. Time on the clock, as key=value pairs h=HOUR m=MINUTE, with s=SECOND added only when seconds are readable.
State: h=11 m=48
